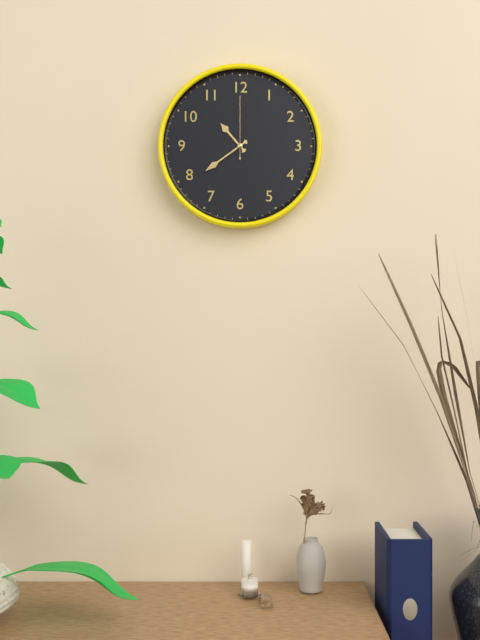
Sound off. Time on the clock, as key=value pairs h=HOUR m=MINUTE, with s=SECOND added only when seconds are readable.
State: h=10 m=39 s=0
